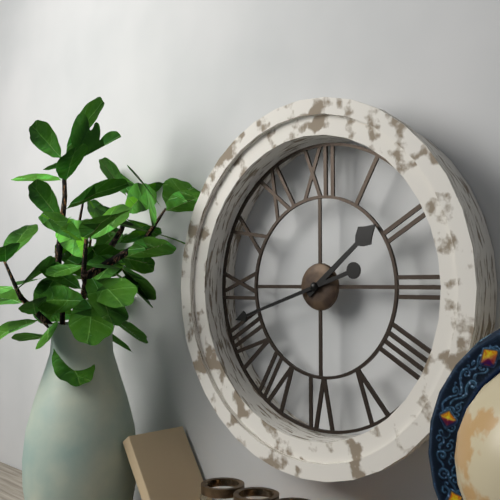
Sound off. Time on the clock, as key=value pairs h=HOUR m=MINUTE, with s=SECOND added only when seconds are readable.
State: h=1 m=42
